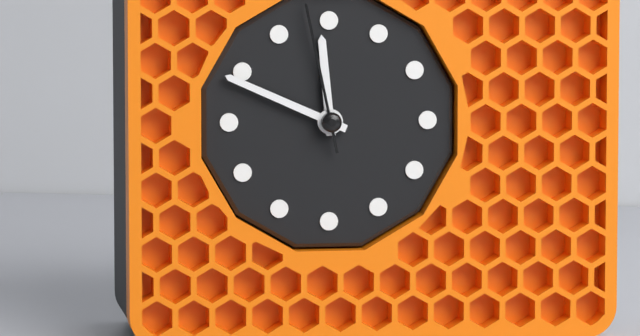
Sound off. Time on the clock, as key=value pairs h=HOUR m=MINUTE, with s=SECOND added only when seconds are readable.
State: h=11 m=49 s=58
